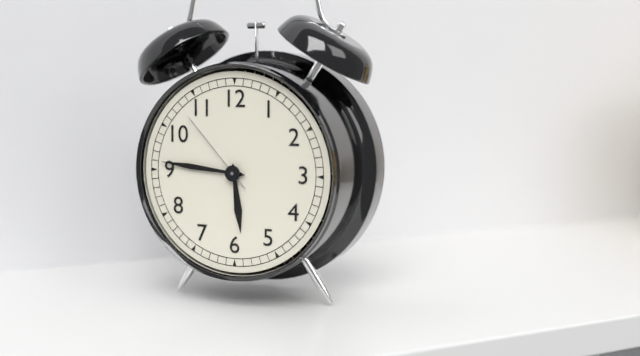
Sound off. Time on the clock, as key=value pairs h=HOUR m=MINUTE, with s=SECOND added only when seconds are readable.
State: h=5 m=46 s=53
